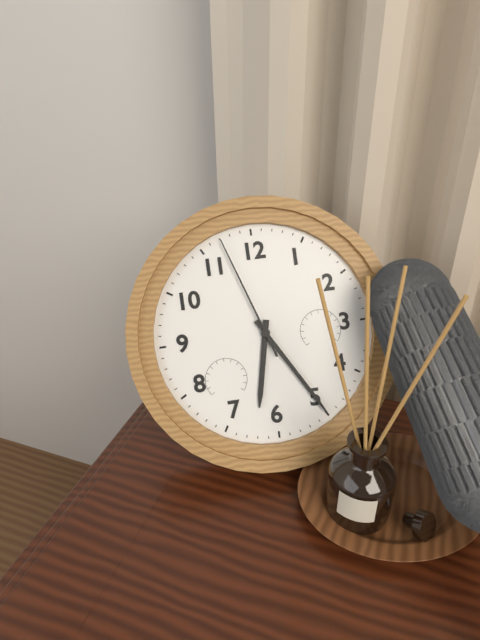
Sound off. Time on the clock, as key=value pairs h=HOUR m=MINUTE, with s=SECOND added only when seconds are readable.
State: h=6 m=25 s=57
